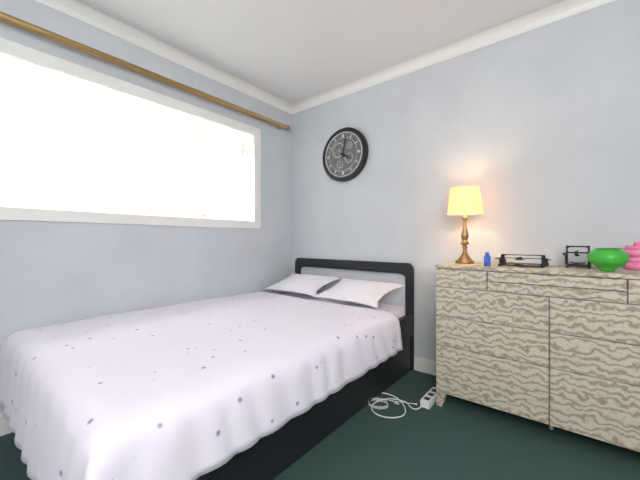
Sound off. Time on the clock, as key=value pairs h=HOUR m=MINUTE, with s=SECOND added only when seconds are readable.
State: h=4 m=2
